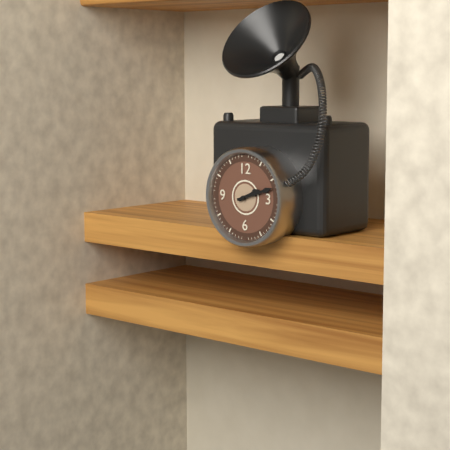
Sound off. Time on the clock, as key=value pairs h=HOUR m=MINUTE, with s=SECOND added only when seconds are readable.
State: h=2 m=12
